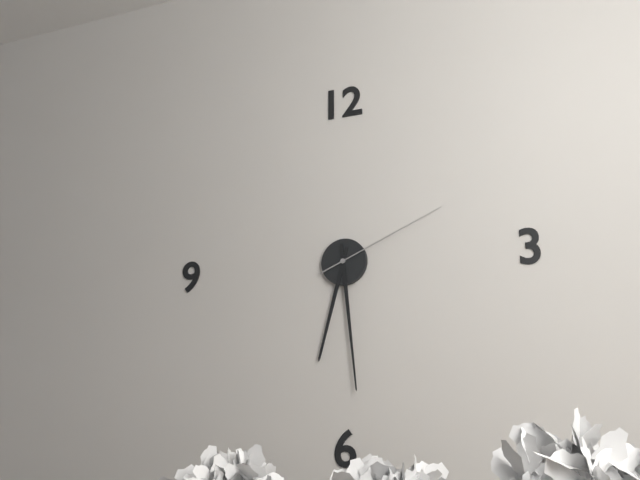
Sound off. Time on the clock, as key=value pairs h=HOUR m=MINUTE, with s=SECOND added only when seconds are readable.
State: h=6 m=29 s=11
